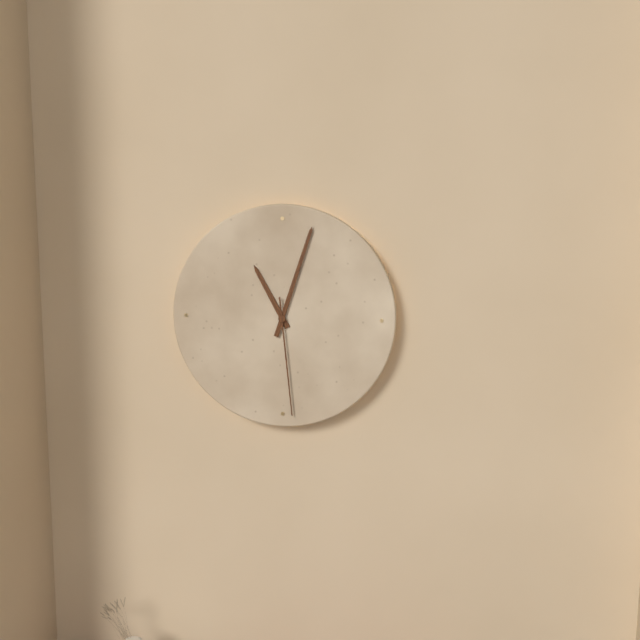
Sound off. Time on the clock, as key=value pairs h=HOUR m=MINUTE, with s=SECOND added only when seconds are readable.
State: h=11 m=3 s=29
